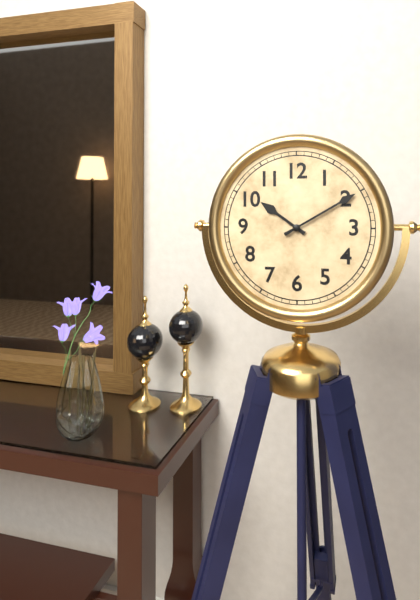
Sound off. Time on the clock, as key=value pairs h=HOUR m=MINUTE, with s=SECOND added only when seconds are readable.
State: h=10 m=10
